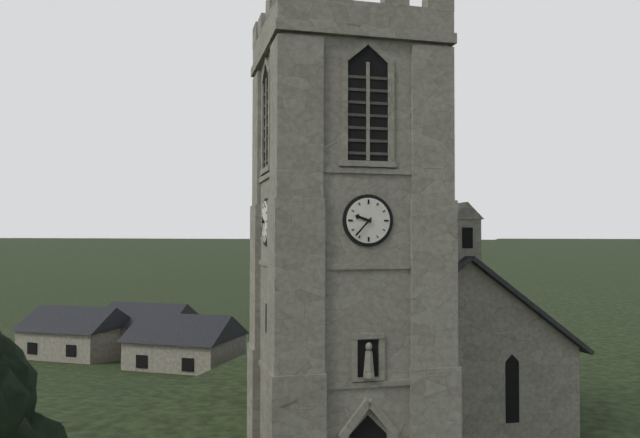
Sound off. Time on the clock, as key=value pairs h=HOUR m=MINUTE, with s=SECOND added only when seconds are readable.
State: h=9 m=37
